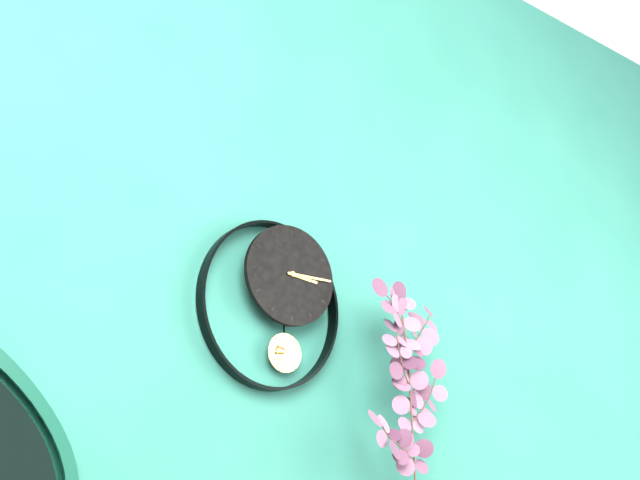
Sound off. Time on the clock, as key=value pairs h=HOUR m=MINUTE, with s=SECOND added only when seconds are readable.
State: h=3 m=15
